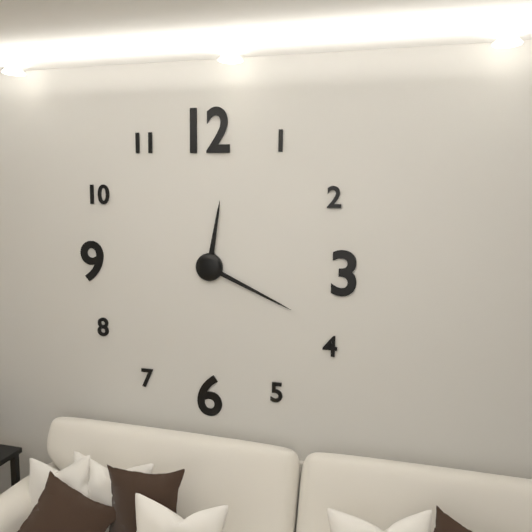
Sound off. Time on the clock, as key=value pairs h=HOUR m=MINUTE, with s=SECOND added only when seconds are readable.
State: h=12 m=19
